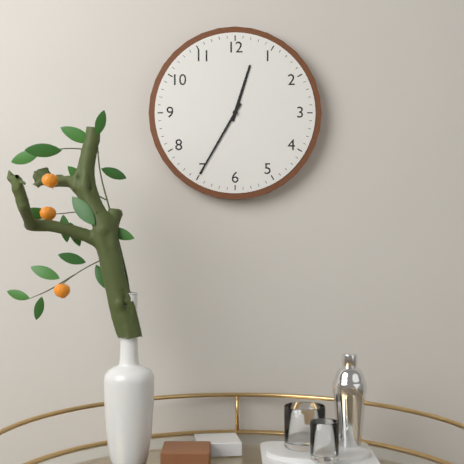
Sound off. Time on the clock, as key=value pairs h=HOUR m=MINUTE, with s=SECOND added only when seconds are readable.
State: h=12 m=35
